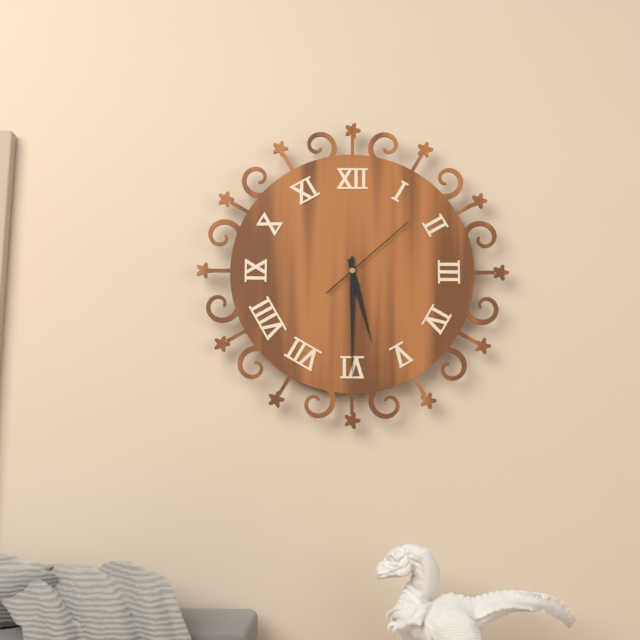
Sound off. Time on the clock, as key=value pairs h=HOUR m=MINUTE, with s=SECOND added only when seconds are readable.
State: h=5 m=30 s=8
